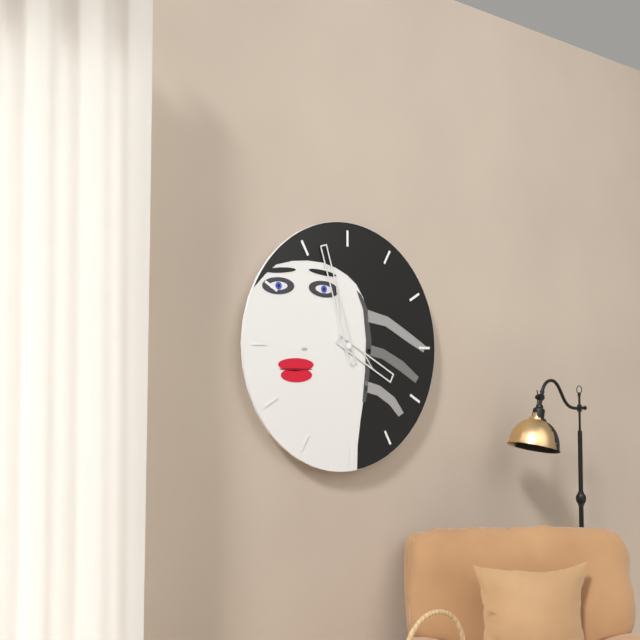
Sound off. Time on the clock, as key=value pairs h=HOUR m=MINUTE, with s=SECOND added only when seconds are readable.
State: h=3 m=57
